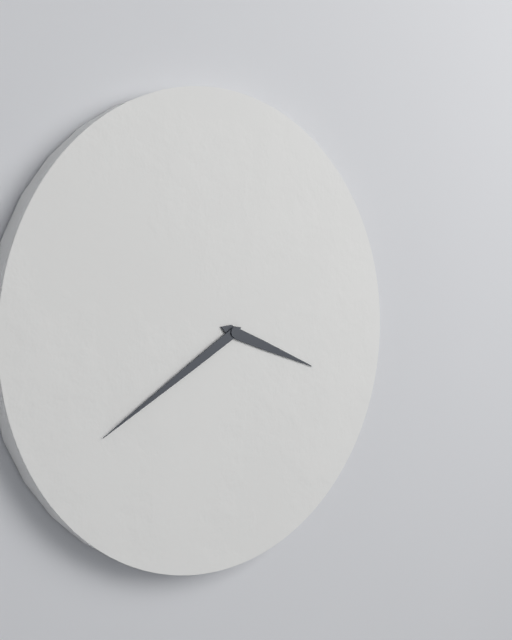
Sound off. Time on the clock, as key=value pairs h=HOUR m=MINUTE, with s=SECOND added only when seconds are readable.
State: h=3 m=40
